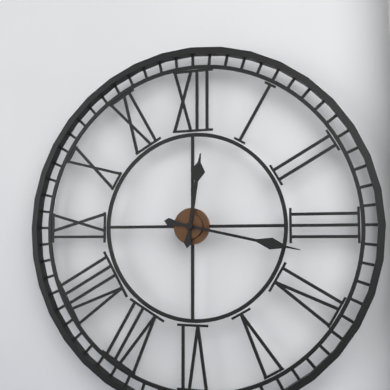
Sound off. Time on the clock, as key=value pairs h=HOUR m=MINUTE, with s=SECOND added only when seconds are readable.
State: h=12 m=17
